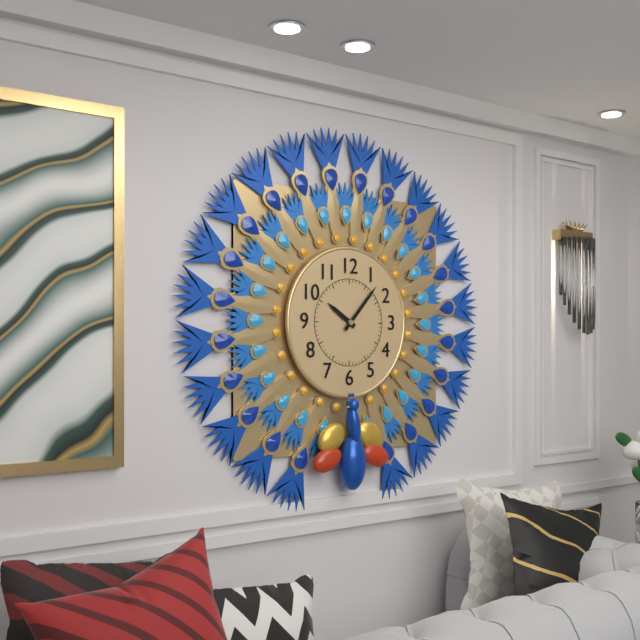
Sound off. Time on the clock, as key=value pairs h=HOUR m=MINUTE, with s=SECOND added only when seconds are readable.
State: h=10 m=7
